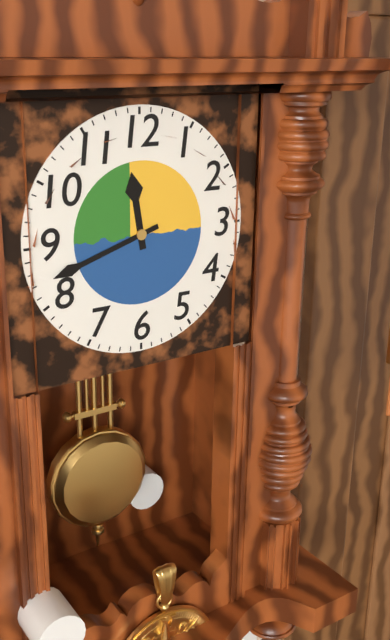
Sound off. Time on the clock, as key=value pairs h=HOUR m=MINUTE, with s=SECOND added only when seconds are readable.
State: h=11 m=42
